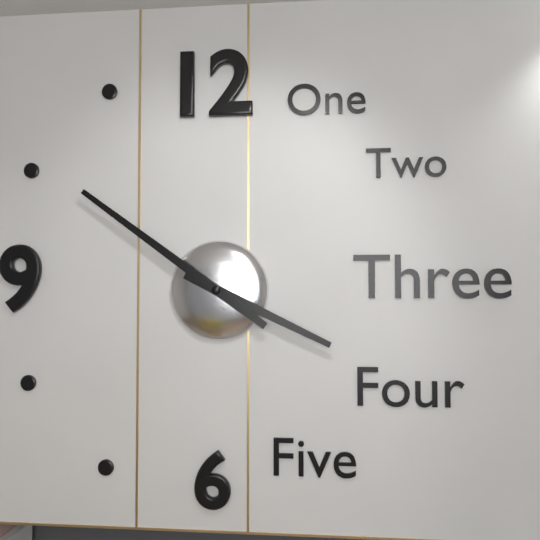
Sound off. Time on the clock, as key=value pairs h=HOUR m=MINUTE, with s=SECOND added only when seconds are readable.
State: h=3 m=51
